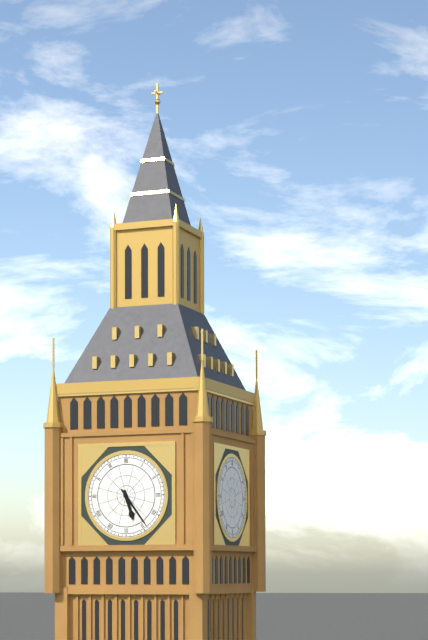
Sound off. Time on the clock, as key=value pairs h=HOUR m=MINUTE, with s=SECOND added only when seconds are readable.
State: h=5 m=24
